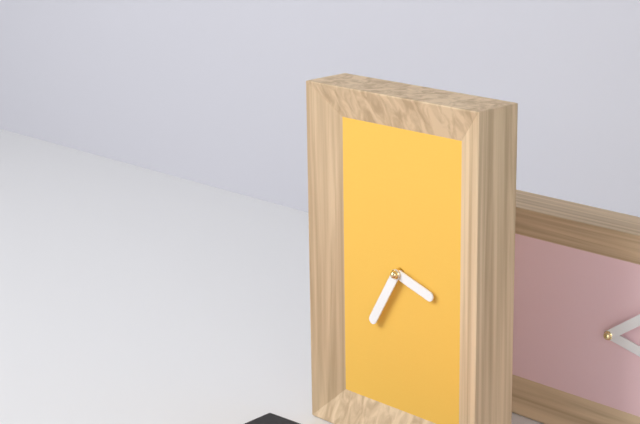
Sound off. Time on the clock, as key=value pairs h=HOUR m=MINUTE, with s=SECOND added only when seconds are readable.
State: h=3 m=35
